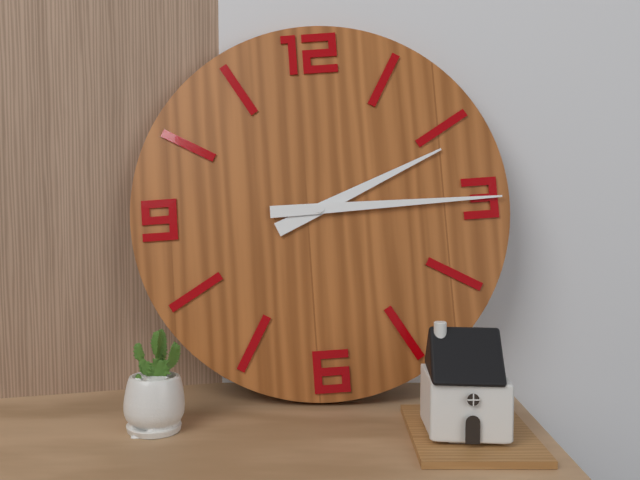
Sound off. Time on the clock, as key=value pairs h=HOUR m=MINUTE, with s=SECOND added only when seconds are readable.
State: h=2 m=15
